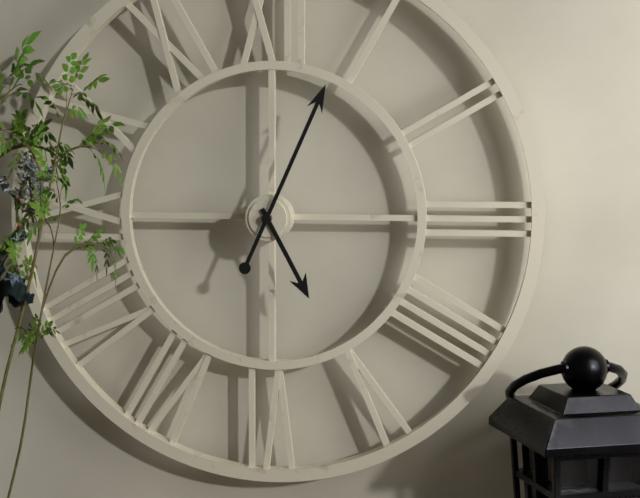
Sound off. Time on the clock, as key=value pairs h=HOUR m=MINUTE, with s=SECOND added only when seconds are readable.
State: h=5 m=4
